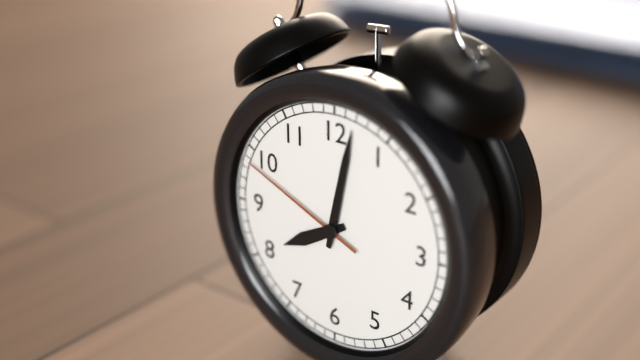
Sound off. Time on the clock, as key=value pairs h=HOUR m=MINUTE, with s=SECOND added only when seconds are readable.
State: h=8 m=2 s=49
